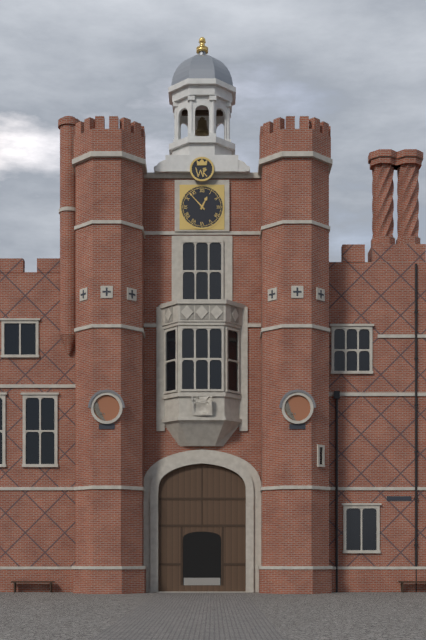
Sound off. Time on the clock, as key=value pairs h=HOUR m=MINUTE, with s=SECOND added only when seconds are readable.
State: h=12 m=53
